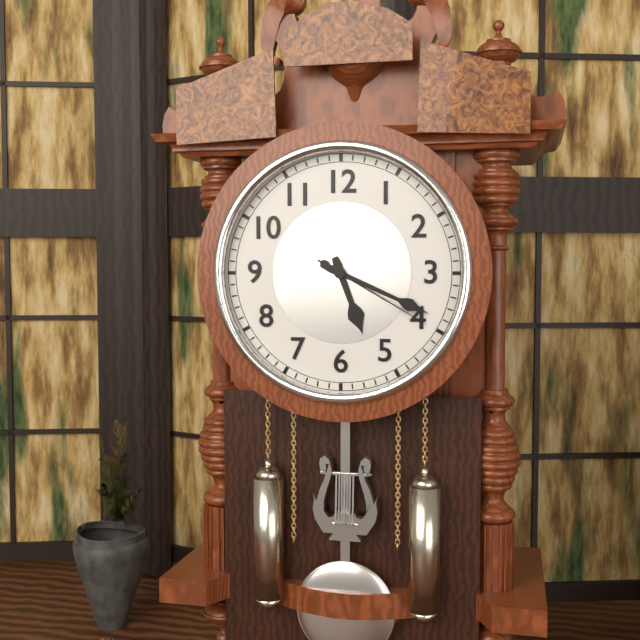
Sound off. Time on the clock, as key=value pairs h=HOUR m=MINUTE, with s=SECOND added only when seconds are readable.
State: h=5 m=19 s=20
